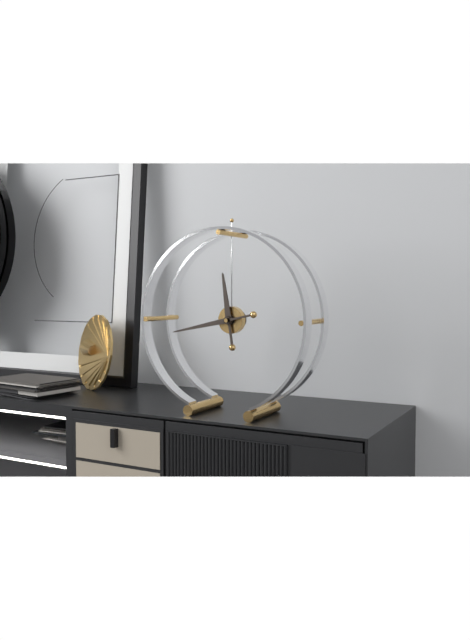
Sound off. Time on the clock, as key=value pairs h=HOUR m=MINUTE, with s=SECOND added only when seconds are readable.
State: h=11 m=43
